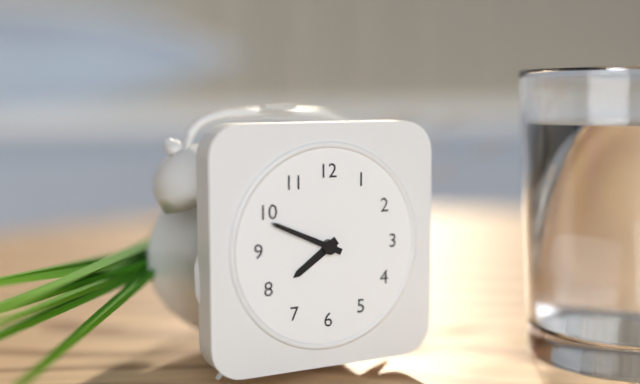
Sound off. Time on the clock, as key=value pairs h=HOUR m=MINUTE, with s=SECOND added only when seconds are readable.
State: h=7 m=49
